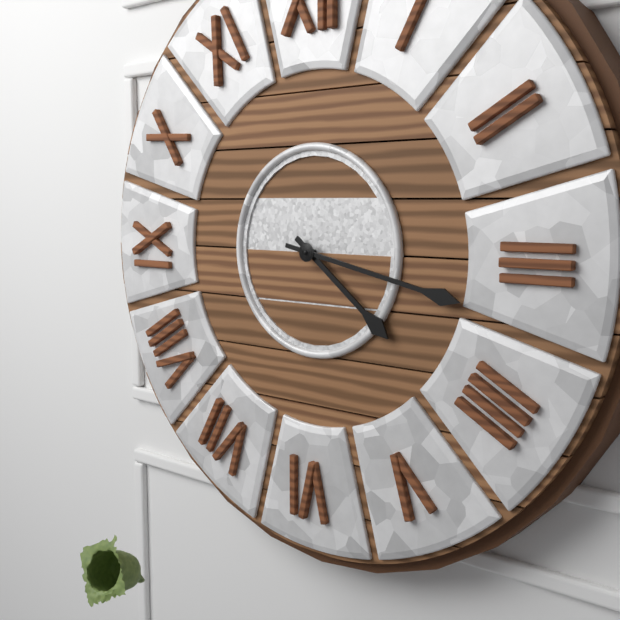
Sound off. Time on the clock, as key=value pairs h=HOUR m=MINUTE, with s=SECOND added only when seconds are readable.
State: h=4 m=17
